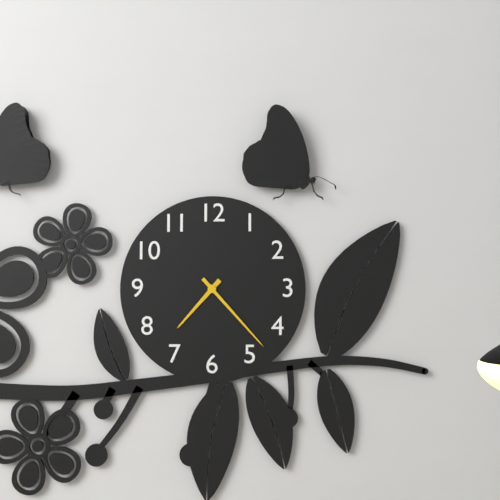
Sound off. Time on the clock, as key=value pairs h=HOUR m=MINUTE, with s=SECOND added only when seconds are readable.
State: h=7 m=23
